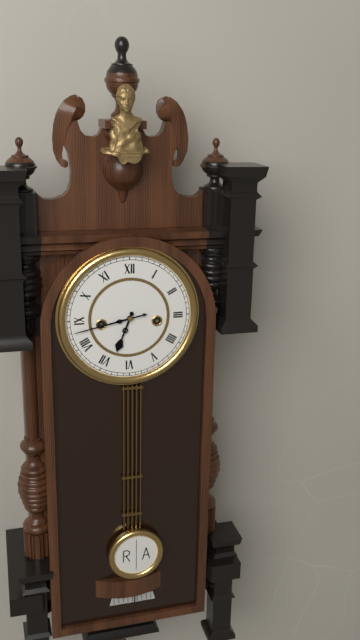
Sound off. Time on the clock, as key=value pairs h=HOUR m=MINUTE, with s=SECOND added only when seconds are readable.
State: h=6 m=43
